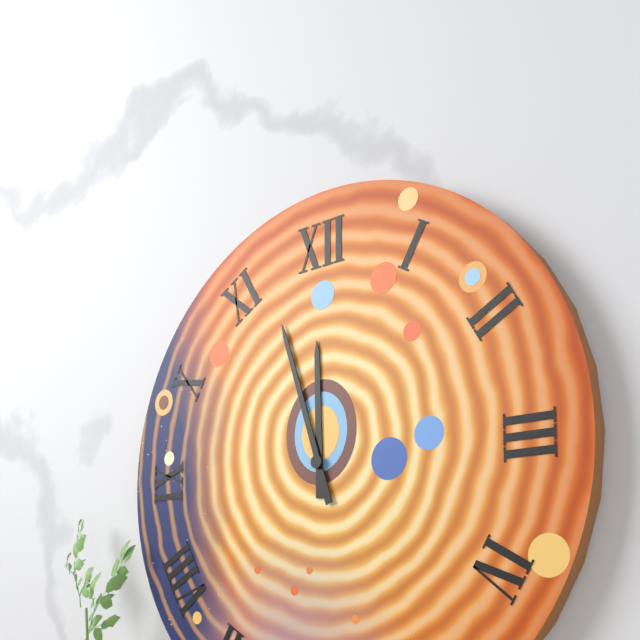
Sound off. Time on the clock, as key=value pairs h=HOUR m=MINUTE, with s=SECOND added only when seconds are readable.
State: h=11 m=57
